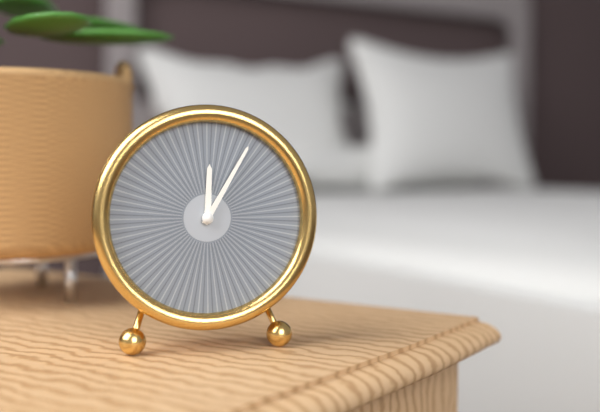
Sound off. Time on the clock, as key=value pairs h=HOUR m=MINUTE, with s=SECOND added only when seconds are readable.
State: h=12 m=5
